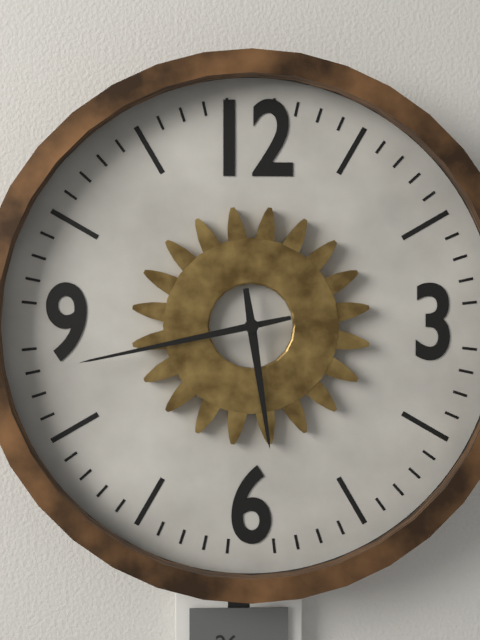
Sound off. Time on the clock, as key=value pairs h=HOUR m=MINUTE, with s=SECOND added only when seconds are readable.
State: h=5 m=43
